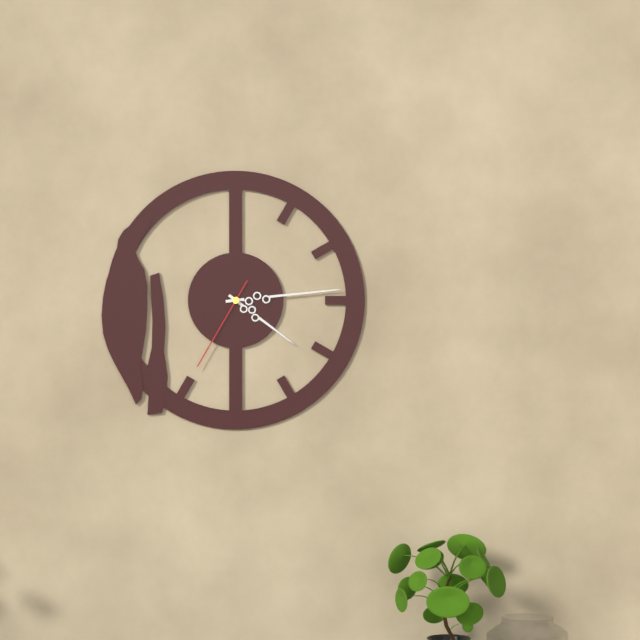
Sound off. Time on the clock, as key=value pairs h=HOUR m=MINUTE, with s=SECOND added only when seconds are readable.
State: h=4 m=14 s=35
